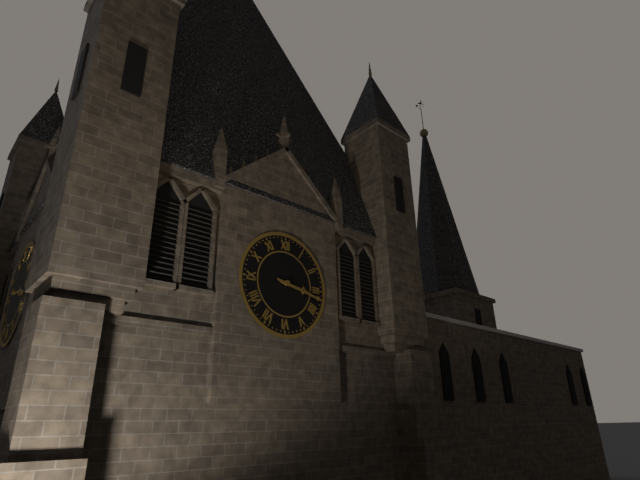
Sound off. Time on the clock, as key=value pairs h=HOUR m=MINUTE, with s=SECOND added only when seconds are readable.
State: h=3 m=17
